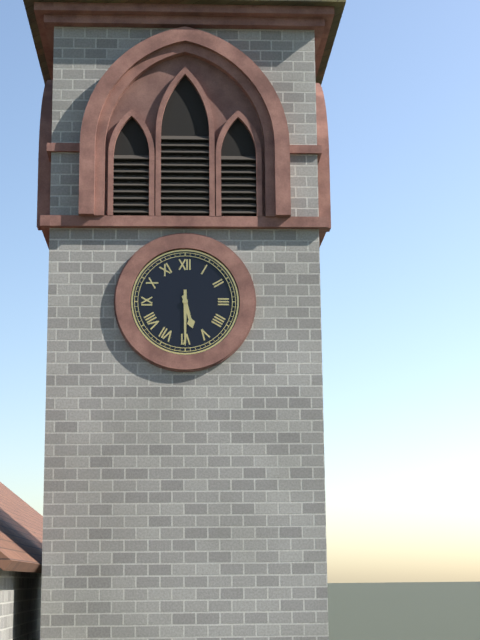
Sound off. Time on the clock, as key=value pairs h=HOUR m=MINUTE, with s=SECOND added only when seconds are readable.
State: h=5 m=30
